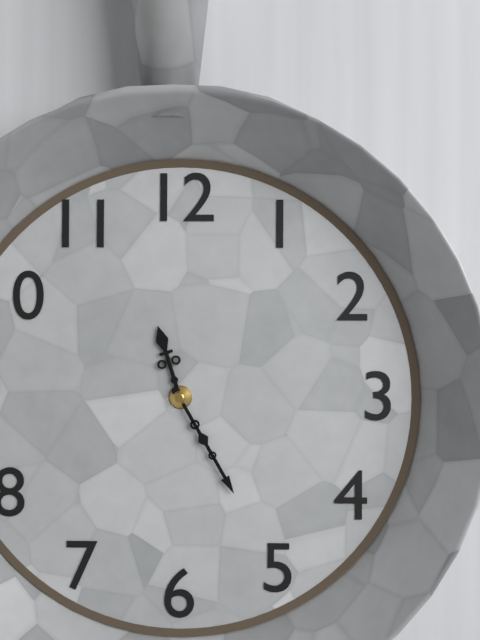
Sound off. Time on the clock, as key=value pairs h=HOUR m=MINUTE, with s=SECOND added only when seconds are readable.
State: h=11 m=25
